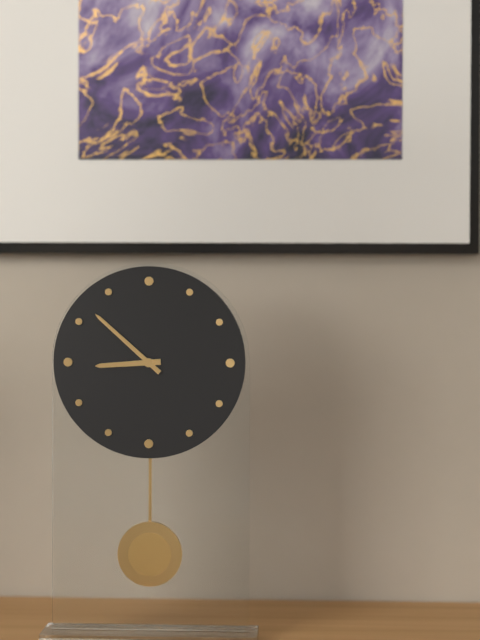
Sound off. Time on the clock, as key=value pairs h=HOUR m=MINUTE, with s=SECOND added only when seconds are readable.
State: h=8 m=52
